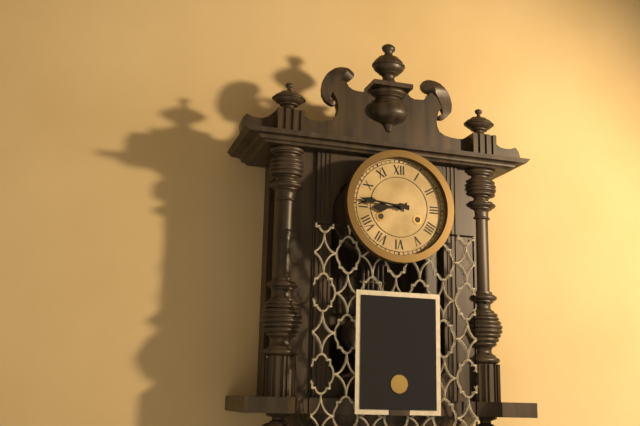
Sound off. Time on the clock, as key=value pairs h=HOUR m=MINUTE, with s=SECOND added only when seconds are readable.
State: h=8 m=46
